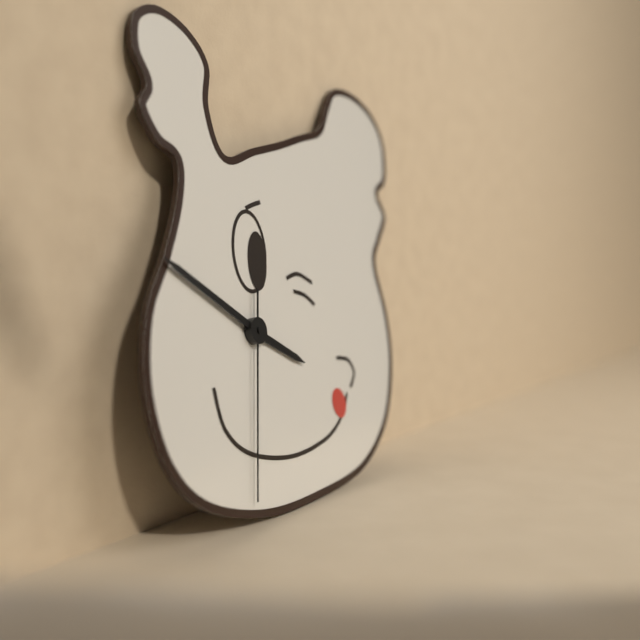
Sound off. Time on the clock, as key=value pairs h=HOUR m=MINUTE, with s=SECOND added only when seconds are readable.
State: h=3 m=50 s=32
